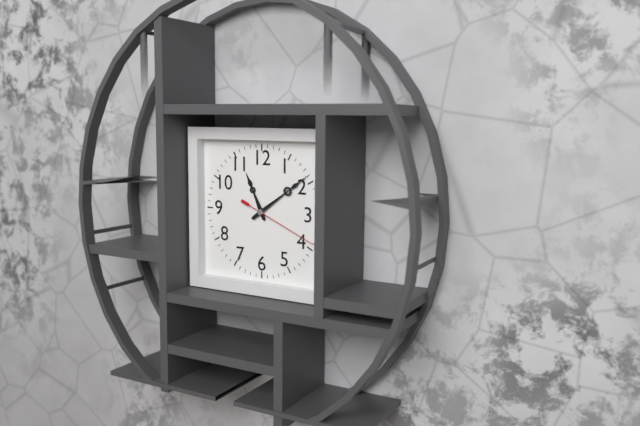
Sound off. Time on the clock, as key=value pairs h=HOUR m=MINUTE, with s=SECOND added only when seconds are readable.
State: h=11 m=9 s=19
